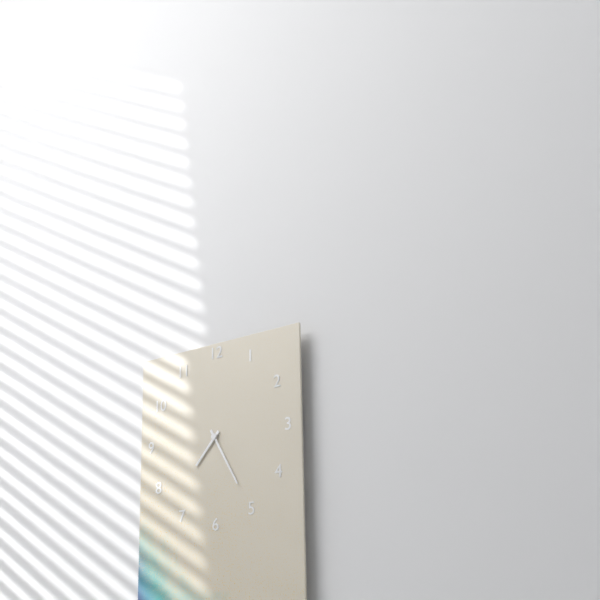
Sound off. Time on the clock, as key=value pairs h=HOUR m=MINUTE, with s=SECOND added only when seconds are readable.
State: h=7 m=25
